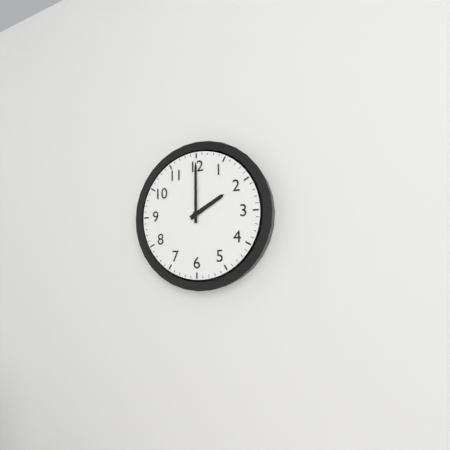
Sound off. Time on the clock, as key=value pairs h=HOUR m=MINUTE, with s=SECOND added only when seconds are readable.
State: h=2 m=0
